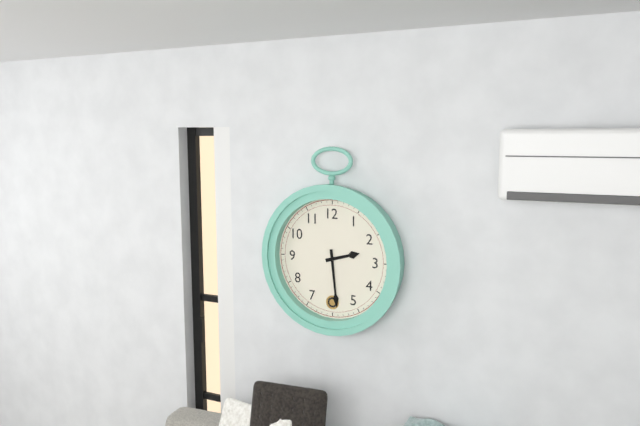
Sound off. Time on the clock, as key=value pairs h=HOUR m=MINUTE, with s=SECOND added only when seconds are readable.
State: h=2 m=29
